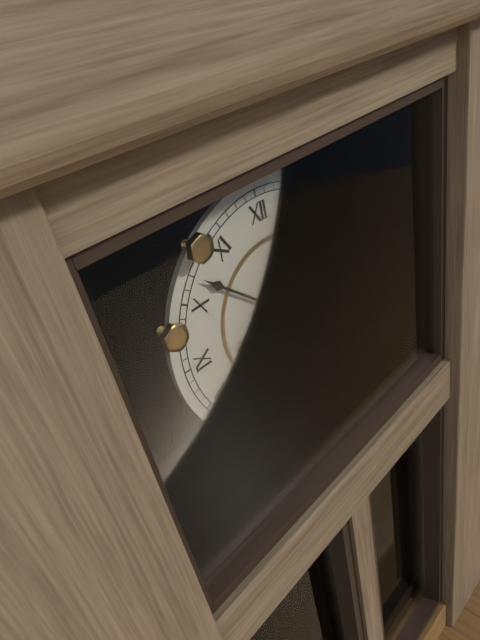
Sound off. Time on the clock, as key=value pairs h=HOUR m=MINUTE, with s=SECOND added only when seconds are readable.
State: h=1 m=52
